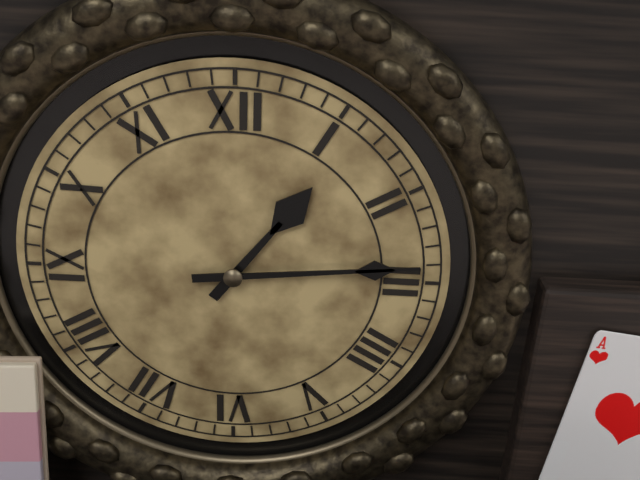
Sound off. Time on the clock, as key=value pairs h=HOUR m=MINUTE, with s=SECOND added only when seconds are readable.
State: h=1 m=14
